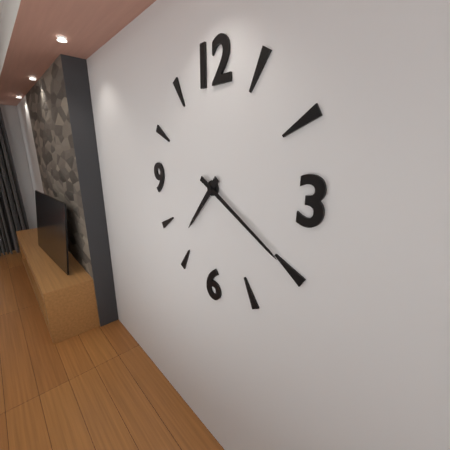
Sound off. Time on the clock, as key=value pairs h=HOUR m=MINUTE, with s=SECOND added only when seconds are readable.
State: h=7 m=20
